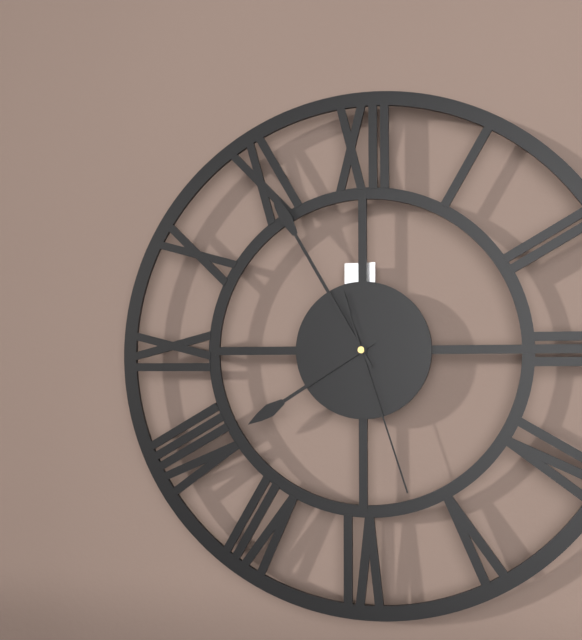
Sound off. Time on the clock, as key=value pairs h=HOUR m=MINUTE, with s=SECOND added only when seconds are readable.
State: h=7 m=55 s=27
